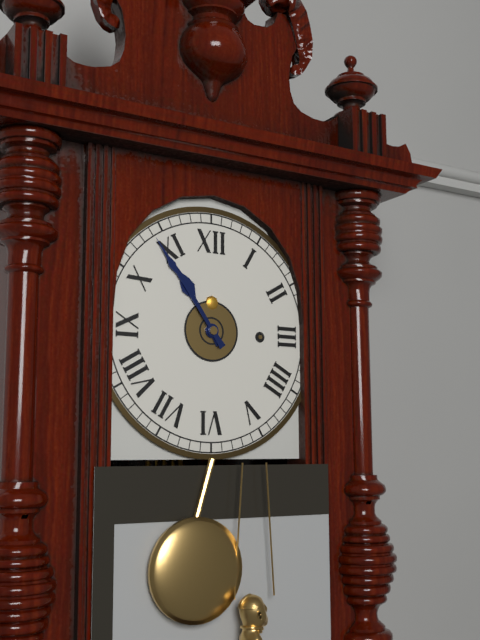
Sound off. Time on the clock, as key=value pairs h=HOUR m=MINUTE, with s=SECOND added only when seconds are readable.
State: h=10 m=54
